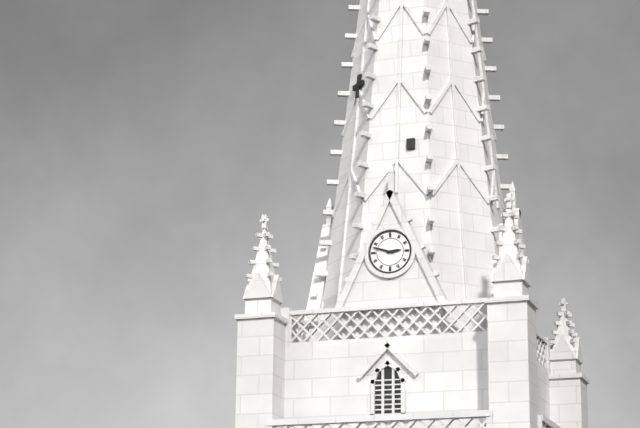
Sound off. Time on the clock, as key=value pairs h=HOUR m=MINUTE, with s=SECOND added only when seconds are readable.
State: h=2 m=48
